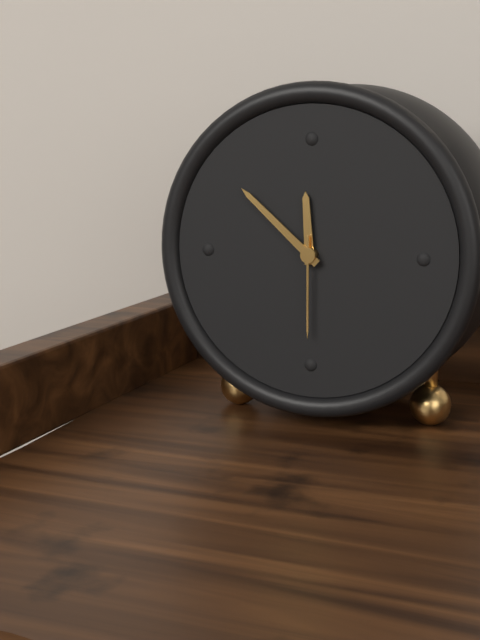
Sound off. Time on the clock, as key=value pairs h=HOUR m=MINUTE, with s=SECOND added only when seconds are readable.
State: h=11 m=52 s=30
